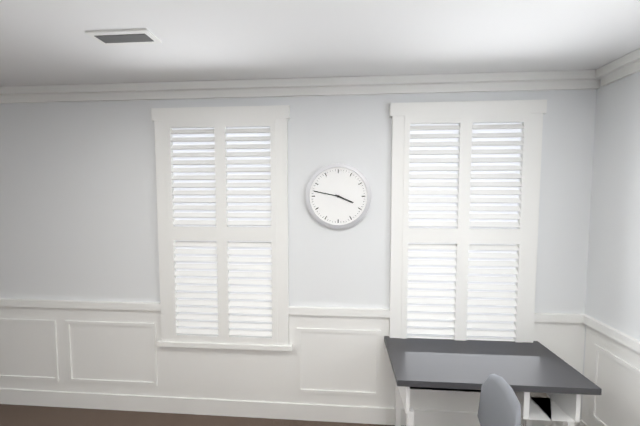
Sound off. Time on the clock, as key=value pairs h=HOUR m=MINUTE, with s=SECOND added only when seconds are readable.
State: h=3 m=47
